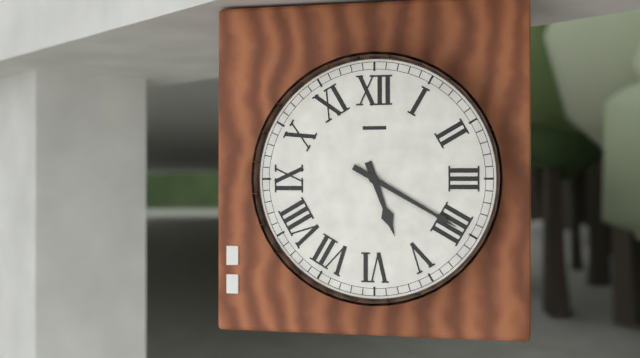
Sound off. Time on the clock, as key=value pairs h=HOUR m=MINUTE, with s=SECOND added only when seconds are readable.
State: h=5 m=20
